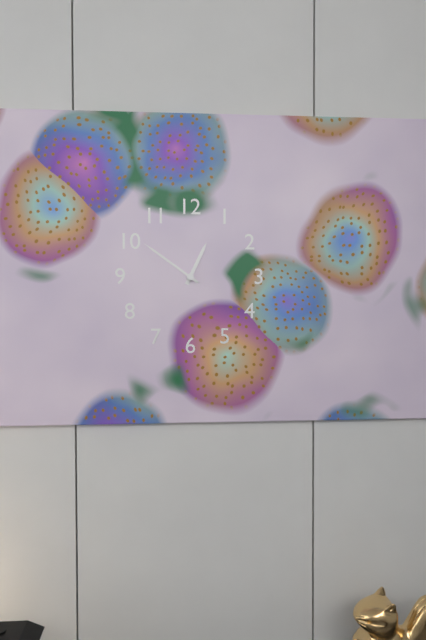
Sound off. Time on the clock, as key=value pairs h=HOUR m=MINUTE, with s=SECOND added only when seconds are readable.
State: h=12 m=51
